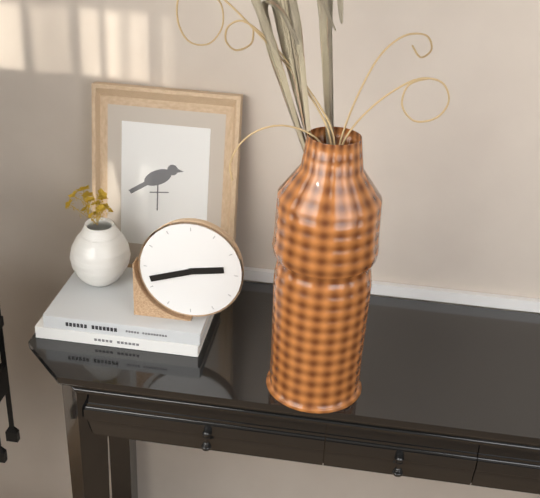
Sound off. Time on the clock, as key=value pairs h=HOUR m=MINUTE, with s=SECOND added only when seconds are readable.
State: h=2 m=42
